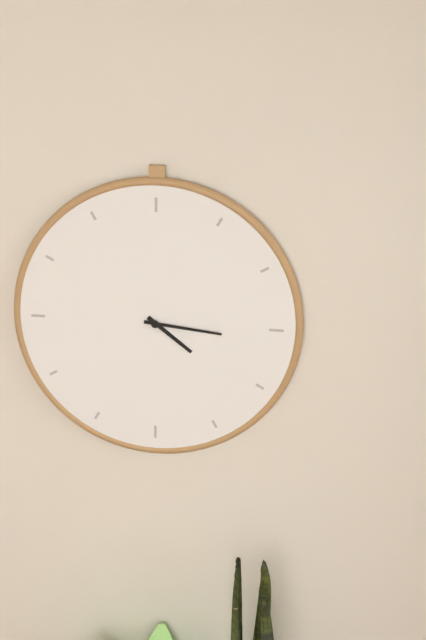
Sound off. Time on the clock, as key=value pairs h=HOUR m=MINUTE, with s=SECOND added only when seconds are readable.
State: h=4 m=16
